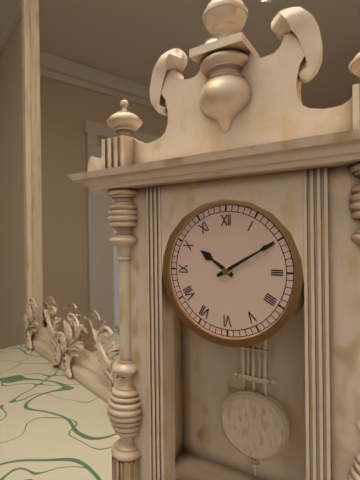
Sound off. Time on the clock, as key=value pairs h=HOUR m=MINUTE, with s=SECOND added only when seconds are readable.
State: h=10 m=10
